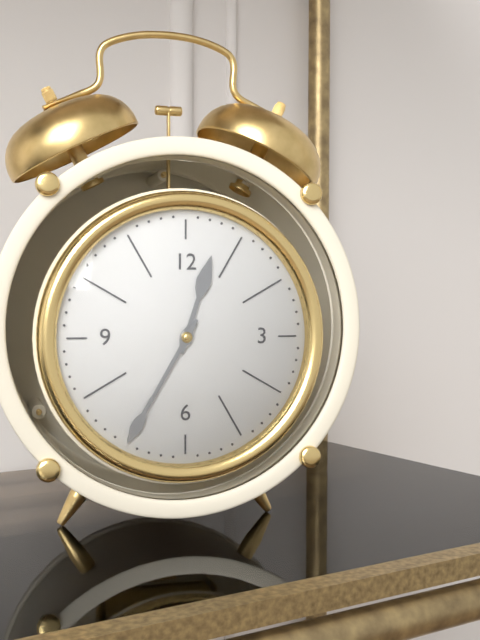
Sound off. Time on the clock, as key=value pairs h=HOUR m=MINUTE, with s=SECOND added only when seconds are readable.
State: h=12 m=35
